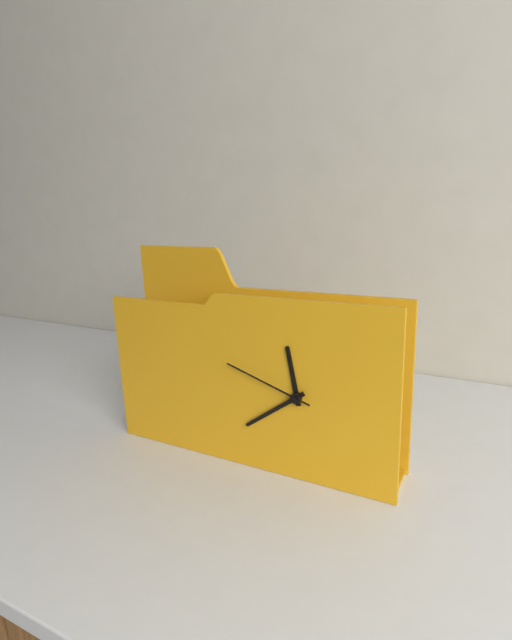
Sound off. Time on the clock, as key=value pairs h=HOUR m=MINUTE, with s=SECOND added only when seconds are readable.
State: h=11 m=39 s=48
